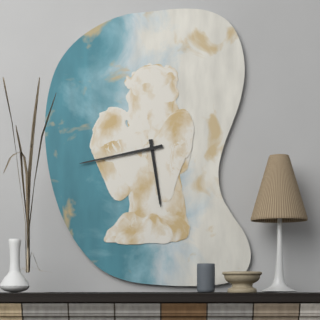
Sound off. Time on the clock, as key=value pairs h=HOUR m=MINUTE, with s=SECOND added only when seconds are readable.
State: h=5 m=43
